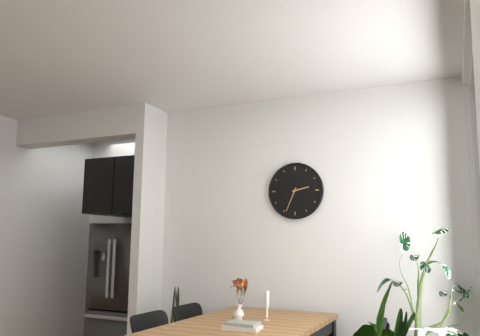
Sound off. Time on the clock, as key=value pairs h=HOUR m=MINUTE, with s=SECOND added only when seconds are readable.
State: h=2 m=34
